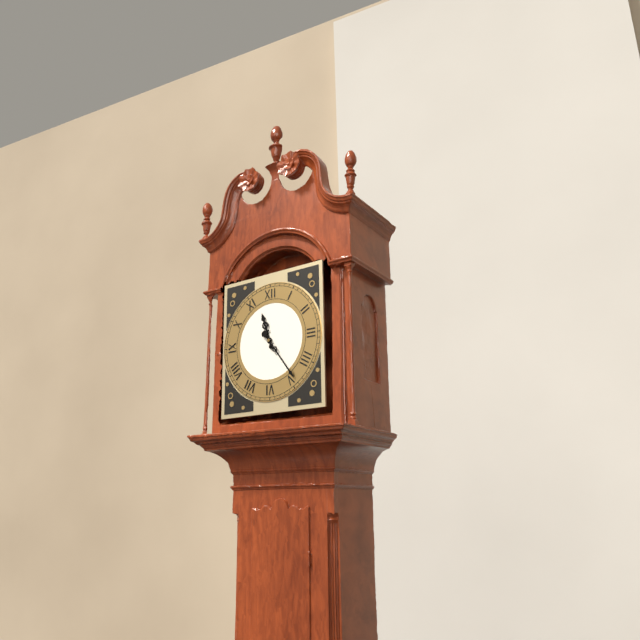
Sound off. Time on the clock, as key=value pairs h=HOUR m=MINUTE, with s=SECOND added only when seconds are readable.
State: h=11 m=24
